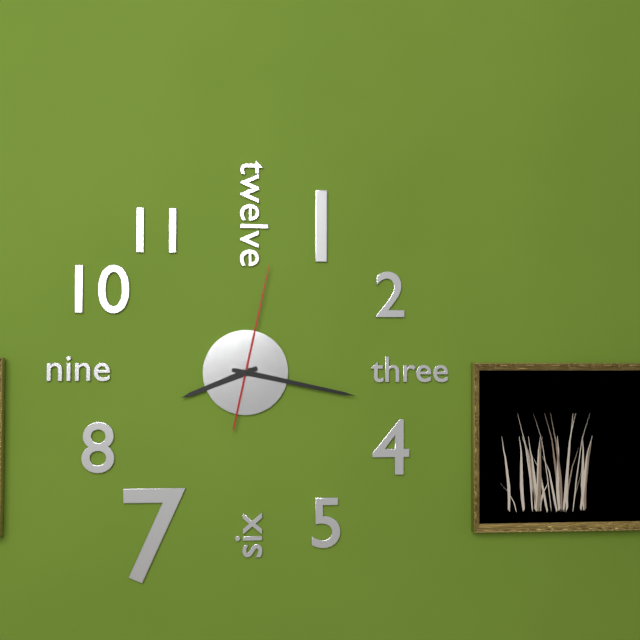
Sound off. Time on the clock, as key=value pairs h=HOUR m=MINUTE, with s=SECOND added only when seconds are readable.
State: h=8 m=17 s=2
